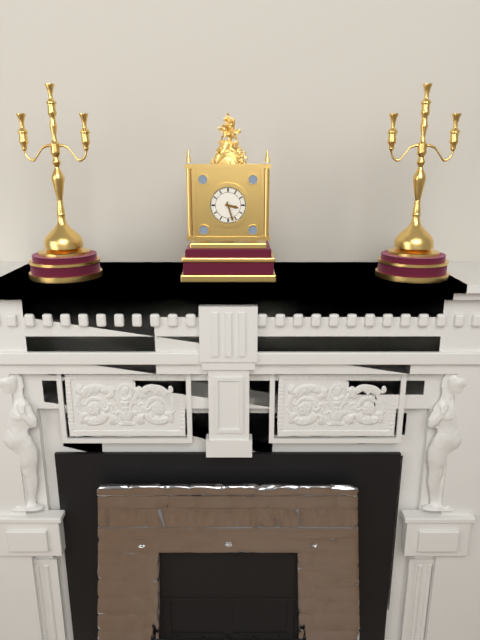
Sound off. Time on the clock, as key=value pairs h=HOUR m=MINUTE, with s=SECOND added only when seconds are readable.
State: h=3 m=27
